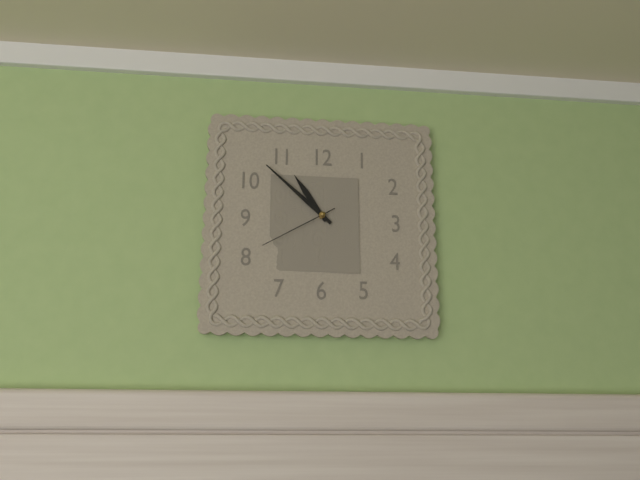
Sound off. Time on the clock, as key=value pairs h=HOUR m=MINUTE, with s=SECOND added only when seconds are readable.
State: h=10 m=52 s=40
